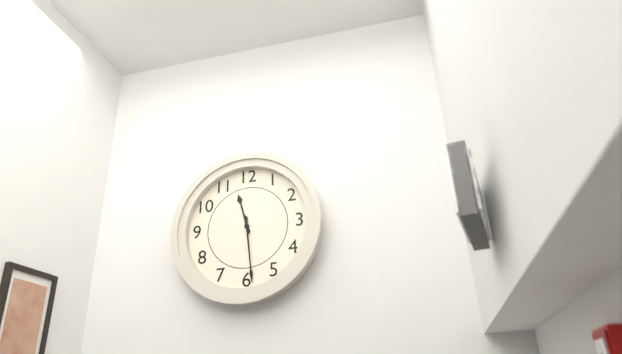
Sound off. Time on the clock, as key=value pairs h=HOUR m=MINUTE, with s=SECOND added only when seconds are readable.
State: h=11 m=29
